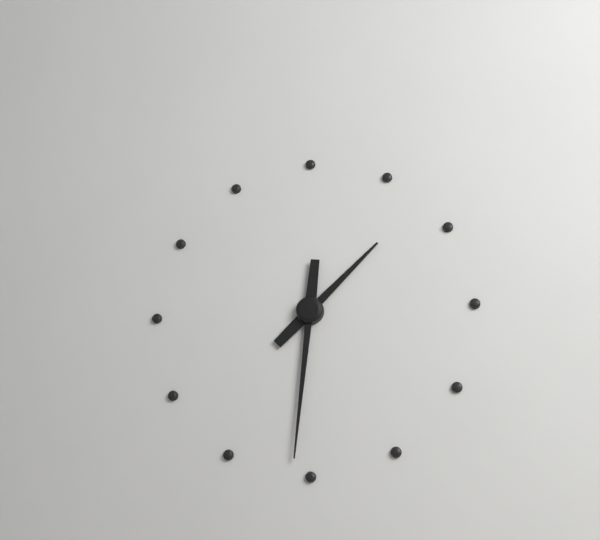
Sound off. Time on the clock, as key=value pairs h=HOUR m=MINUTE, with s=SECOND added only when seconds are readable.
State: h=1 m=31
